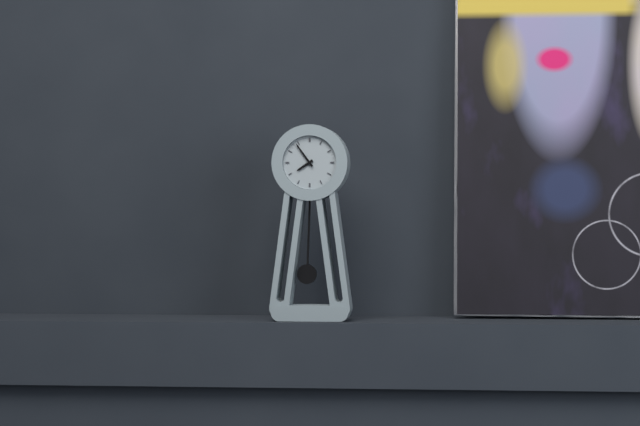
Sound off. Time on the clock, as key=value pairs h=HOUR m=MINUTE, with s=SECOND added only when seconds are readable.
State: h=7 m=54
